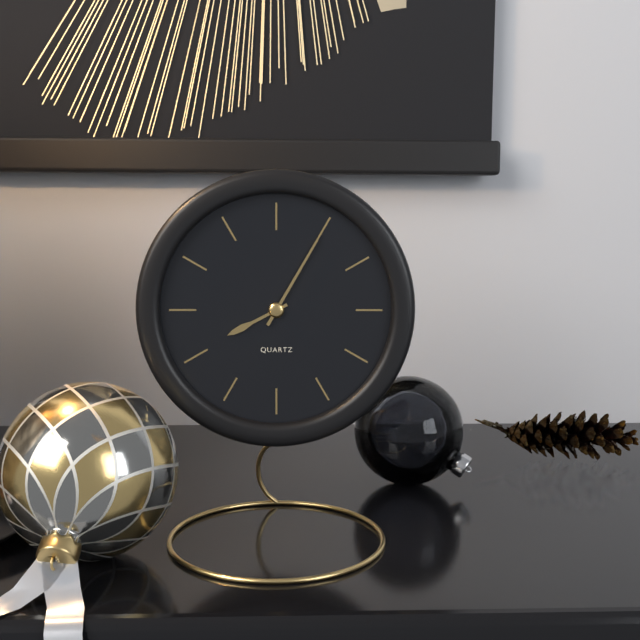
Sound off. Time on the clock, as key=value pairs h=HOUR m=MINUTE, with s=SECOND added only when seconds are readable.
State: h=8 m=5
